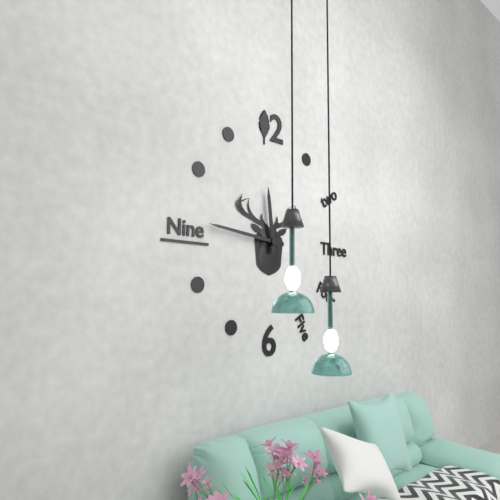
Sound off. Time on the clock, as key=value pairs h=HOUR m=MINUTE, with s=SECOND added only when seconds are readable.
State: h=11 m=46
